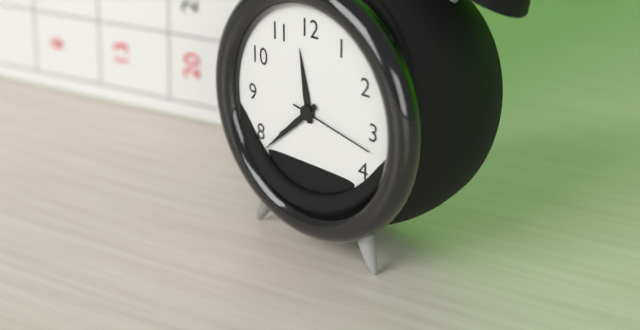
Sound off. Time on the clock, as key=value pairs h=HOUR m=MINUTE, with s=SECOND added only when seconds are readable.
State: h=11 m=38 s=17
